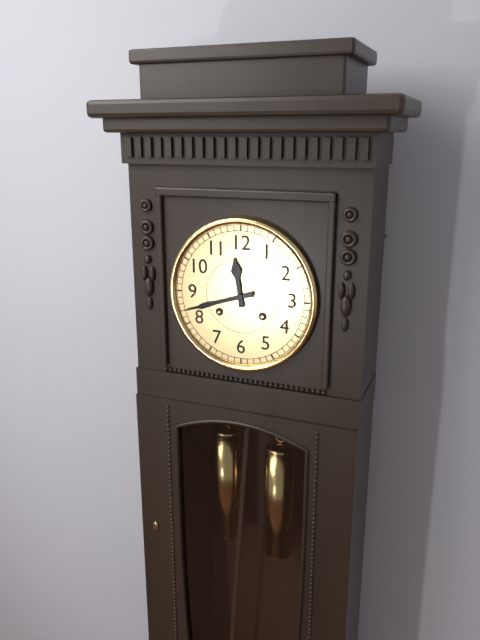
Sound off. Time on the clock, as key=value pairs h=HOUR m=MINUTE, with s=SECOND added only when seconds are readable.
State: h=11 m=42
